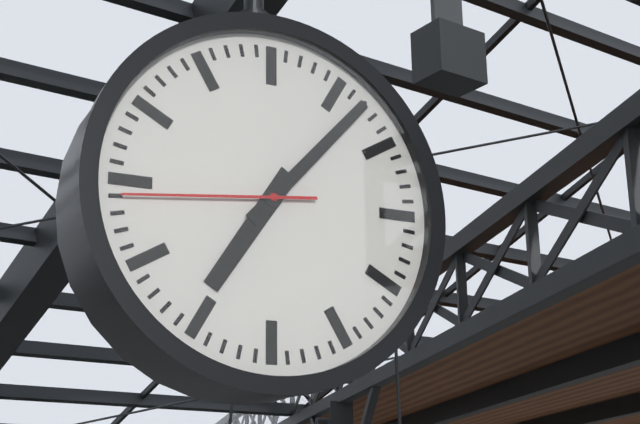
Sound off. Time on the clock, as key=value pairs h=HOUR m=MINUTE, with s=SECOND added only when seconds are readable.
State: h=7 m=7 s=44
